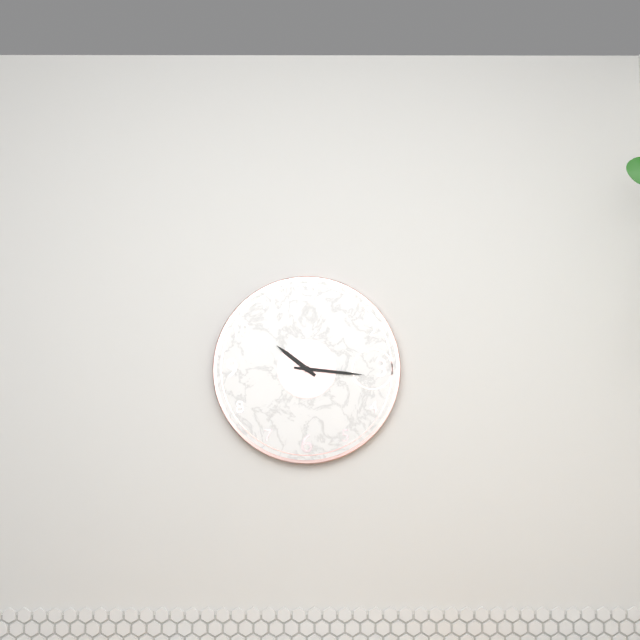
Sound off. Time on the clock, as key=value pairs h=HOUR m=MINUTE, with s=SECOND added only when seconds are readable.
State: h=10 m=16
